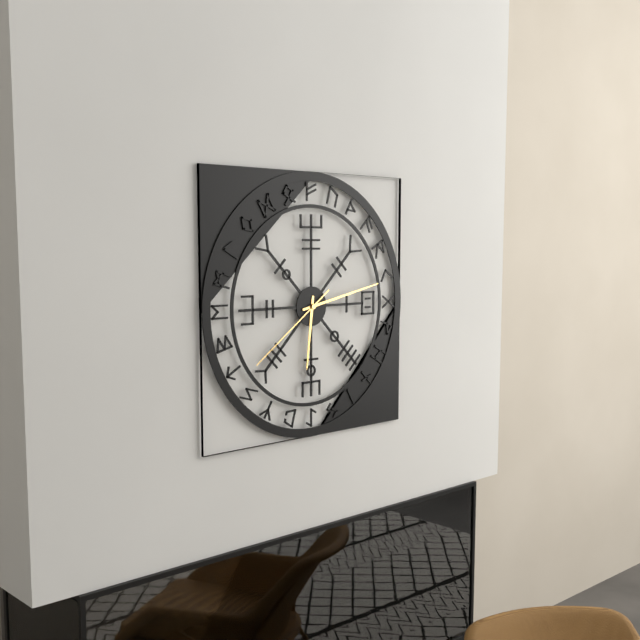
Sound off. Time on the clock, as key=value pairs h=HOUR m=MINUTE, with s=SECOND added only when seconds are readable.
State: h=6 m=13 s=39
